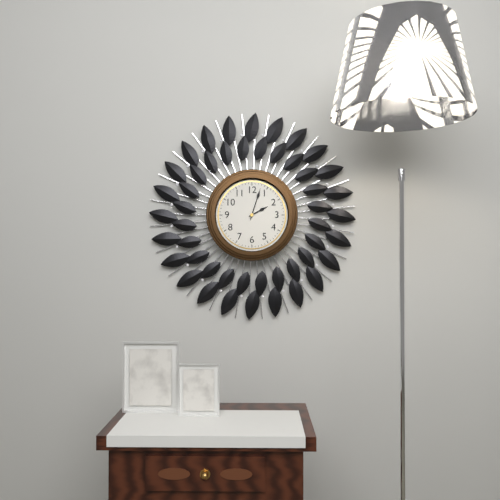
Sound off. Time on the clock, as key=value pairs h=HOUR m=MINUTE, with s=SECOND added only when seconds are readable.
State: h=2 m=3
